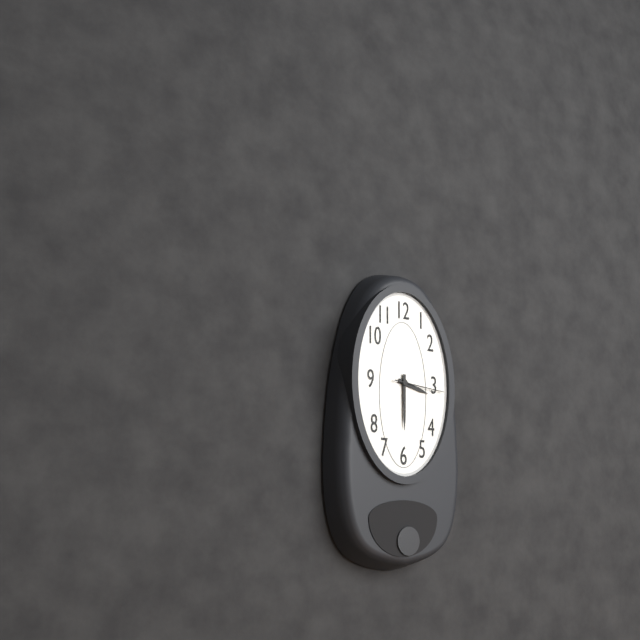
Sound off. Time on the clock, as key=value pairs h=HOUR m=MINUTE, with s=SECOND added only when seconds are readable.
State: h=3 m=30 s=16
